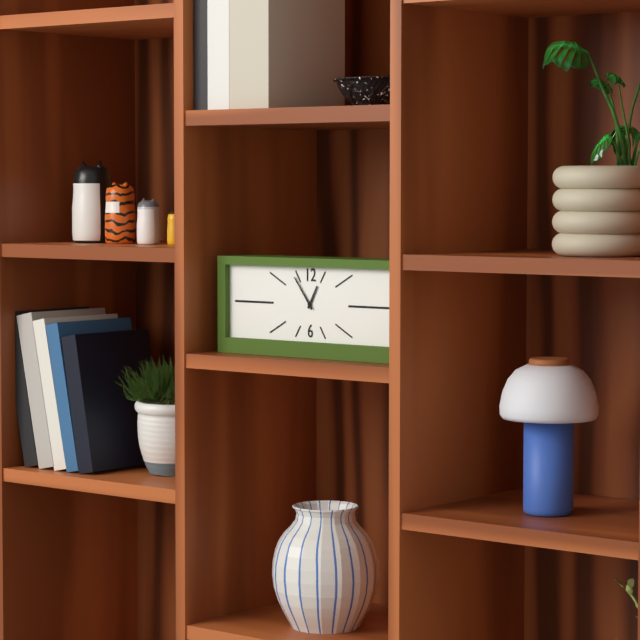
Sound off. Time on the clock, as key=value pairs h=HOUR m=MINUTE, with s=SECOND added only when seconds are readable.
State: h=12 m=54
